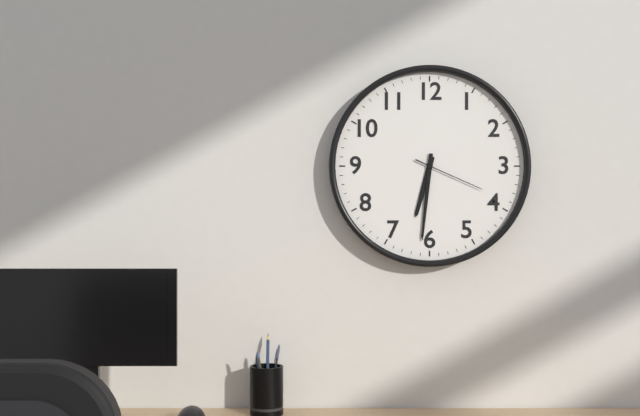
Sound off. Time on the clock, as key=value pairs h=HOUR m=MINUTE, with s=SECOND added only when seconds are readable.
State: h=6 m=31 s=19
